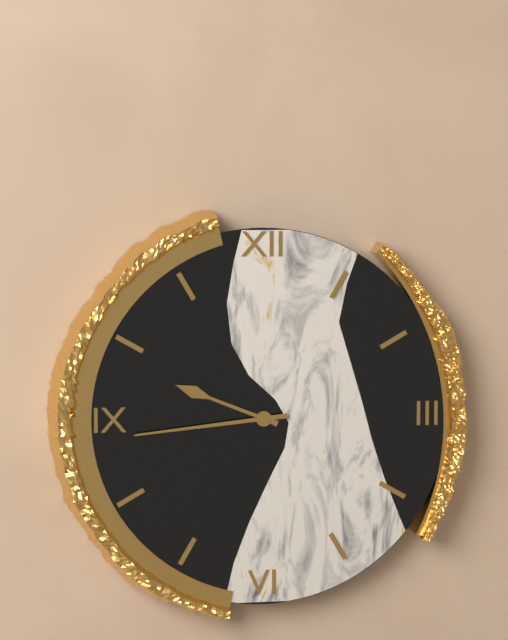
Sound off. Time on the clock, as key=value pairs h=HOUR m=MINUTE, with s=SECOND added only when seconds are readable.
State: h=9 m=44
